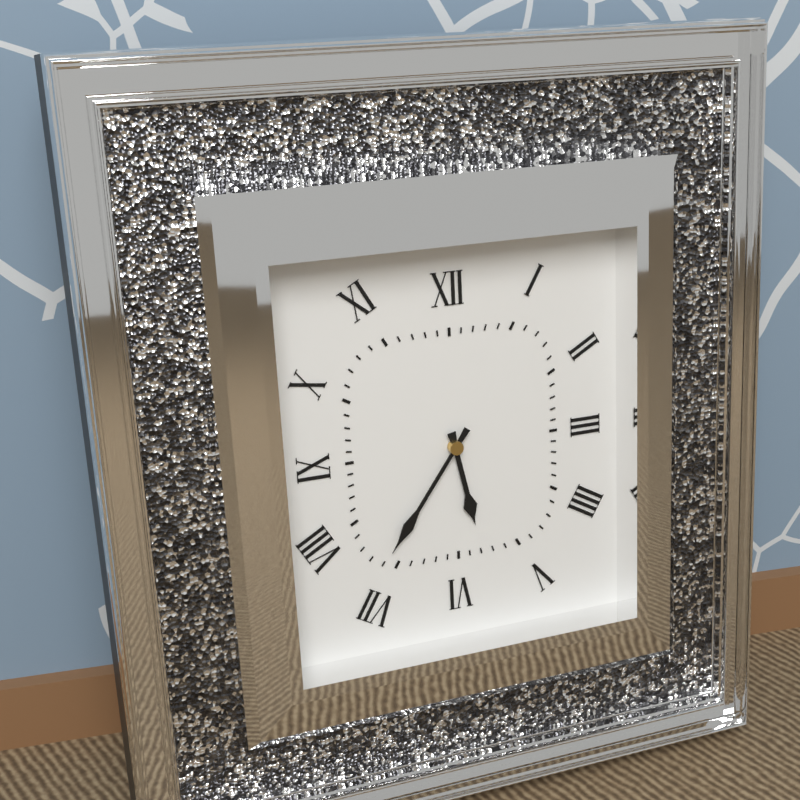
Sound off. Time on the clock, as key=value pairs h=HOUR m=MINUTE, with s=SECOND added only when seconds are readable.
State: h=5 m=36
